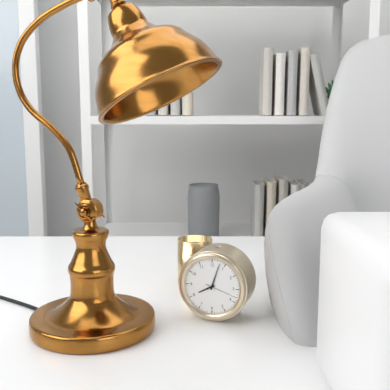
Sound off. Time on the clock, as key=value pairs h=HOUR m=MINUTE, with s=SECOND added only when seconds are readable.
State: h=8 m=3
